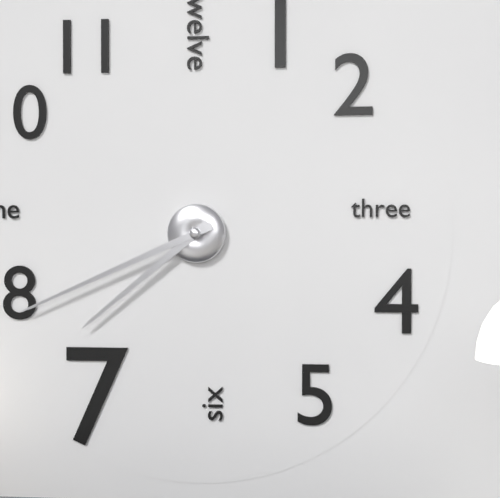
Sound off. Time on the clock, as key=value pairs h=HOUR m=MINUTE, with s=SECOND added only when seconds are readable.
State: h=7 m=41
